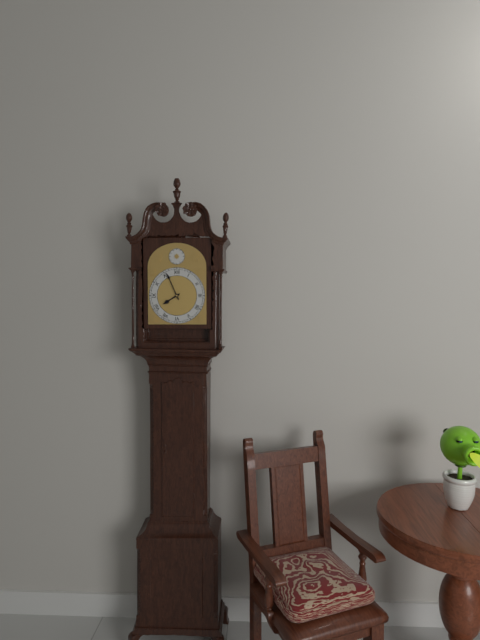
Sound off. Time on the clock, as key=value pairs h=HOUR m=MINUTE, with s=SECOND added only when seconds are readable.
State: h=7 m=56
